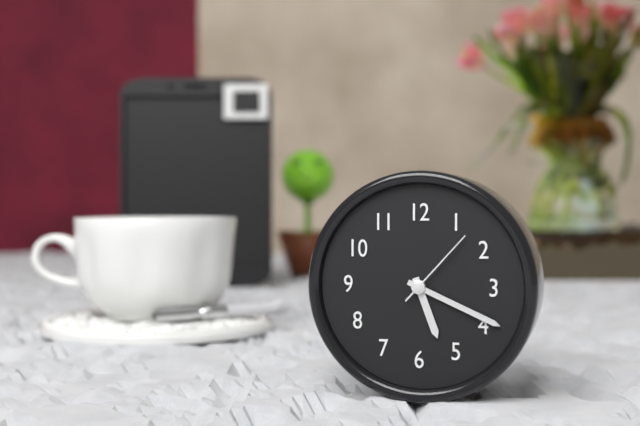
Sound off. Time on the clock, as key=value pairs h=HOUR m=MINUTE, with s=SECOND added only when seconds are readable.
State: h=5 m=19 s=7
